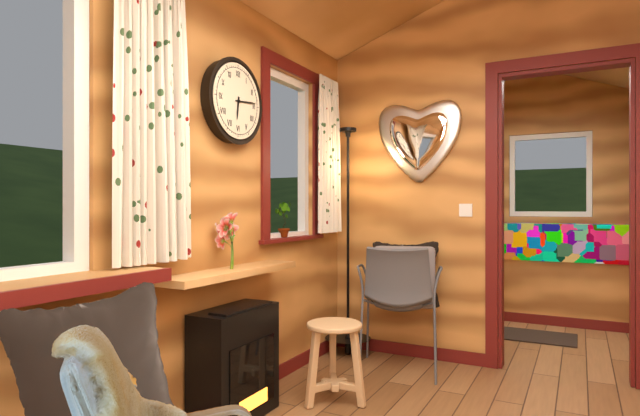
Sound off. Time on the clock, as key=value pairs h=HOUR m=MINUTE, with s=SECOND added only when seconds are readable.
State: h=6 m=14
